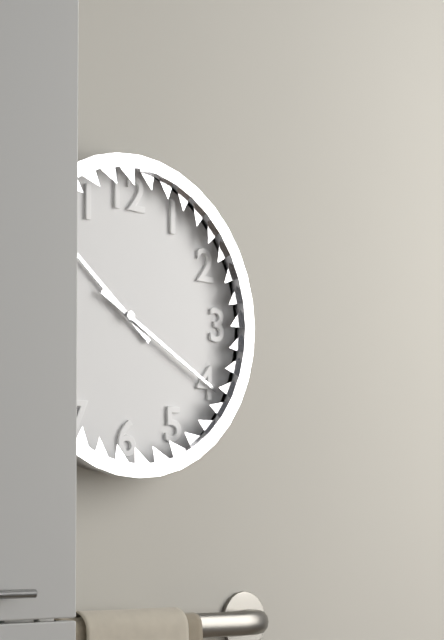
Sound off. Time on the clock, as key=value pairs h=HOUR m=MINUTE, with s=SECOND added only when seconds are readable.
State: h=10 m=20
